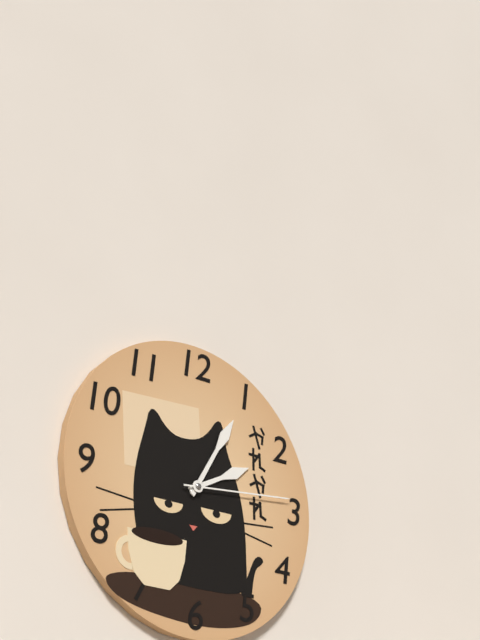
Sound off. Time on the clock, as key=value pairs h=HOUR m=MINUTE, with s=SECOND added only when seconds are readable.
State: h=2 m=5 s=14
